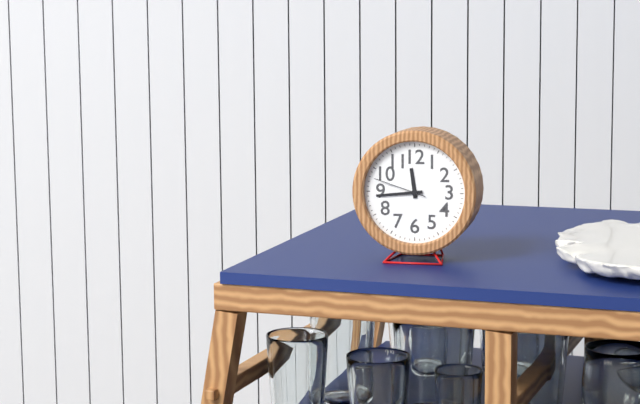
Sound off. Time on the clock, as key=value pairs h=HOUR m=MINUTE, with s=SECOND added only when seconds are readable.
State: h=11 m=44 s=48
